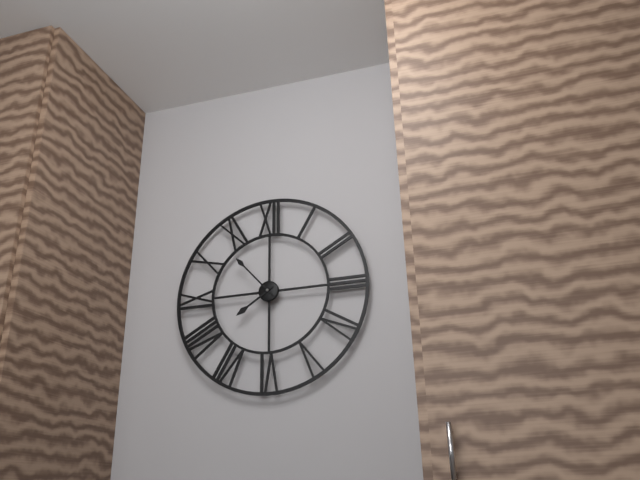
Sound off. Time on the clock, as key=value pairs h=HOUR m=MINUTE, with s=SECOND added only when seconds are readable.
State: h=7 m=53
